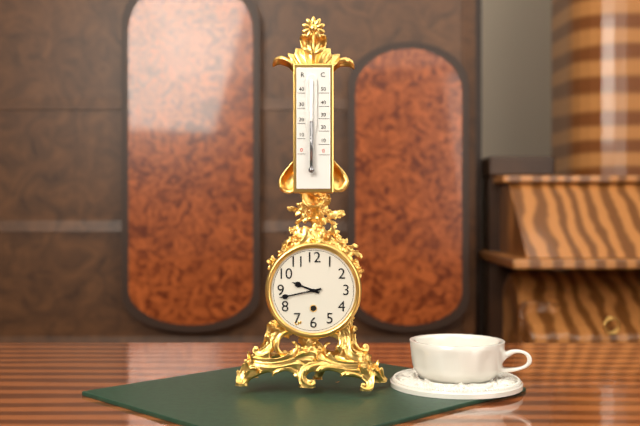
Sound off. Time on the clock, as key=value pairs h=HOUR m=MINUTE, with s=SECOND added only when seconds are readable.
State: h=9 m=43
